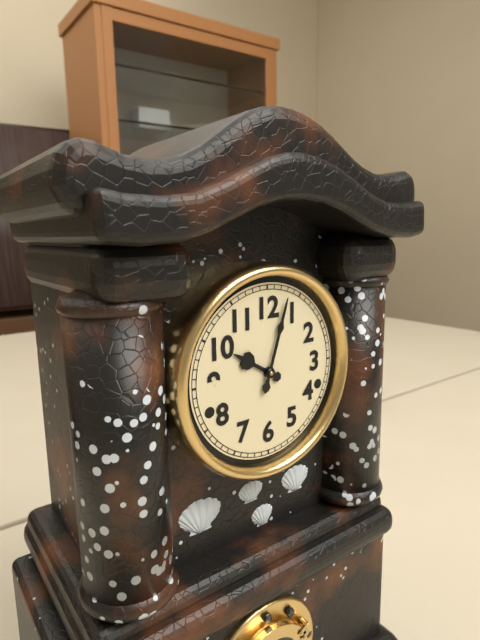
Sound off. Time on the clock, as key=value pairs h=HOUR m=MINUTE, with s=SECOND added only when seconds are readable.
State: h=10 m=3
